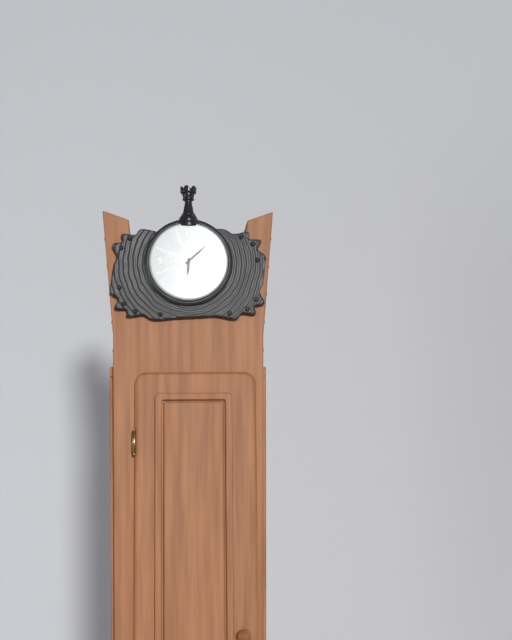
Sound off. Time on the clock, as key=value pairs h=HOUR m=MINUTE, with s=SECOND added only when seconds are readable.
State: h=6 m=8
